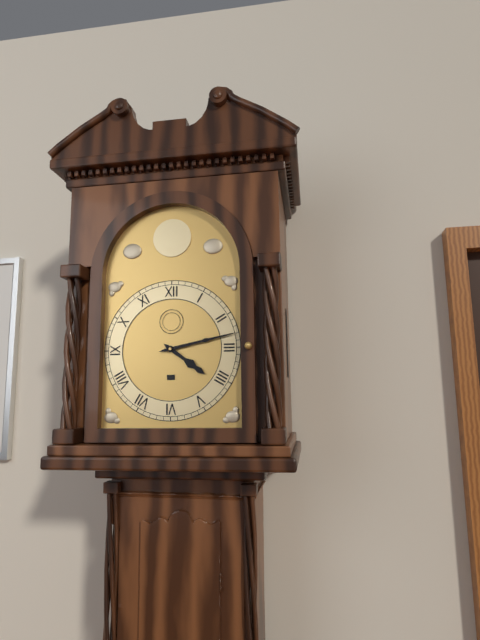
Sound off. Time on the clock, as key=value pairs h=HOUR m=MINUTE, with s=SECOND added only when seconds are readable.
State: h=4 m=13
